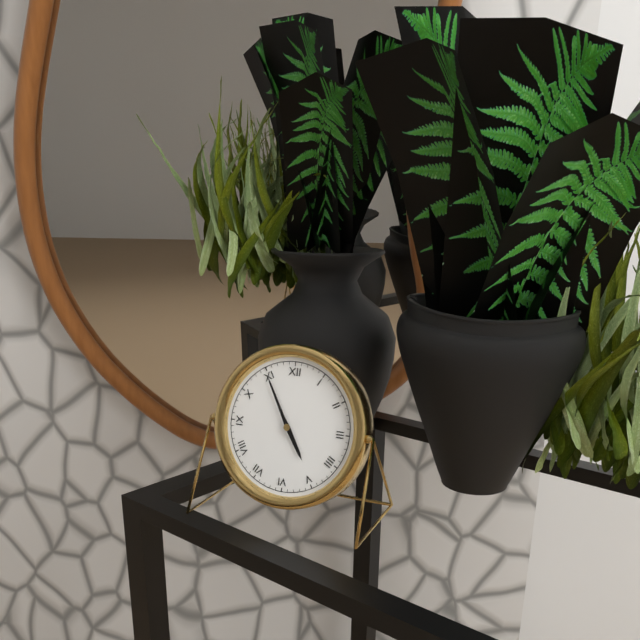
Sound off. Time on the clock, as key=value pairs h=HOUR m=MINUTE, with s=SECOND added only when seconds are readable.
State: h=4 m=55
